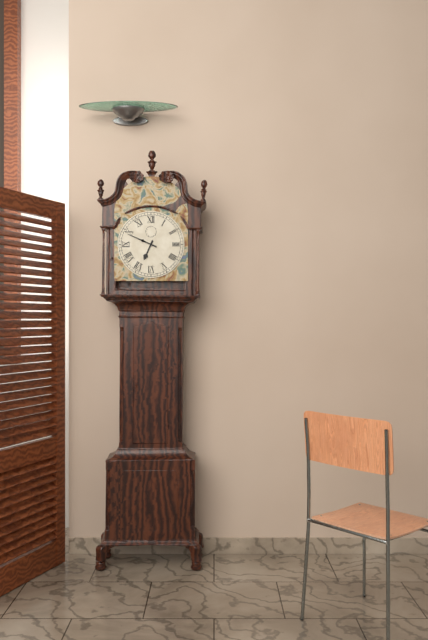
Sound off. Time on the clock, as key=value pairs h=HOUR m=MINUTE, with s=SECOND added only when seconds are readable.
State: h=6 m=49
